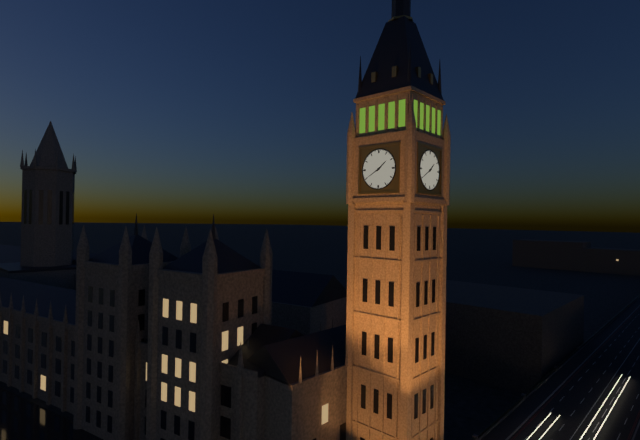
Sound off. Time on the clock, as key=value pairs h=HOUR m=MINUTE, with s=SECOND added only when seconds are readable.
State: h=1 m=40
